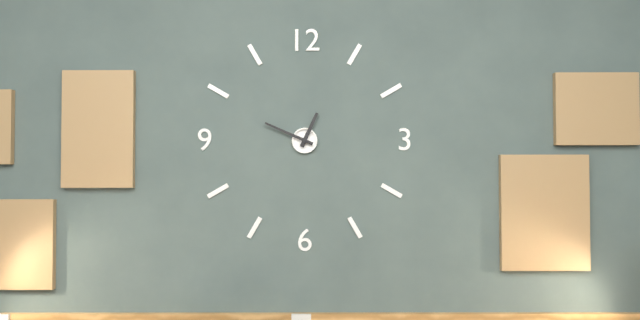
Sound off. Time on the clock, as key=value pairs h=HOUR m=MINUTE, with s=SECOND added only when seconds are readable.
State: h=12 m=49
